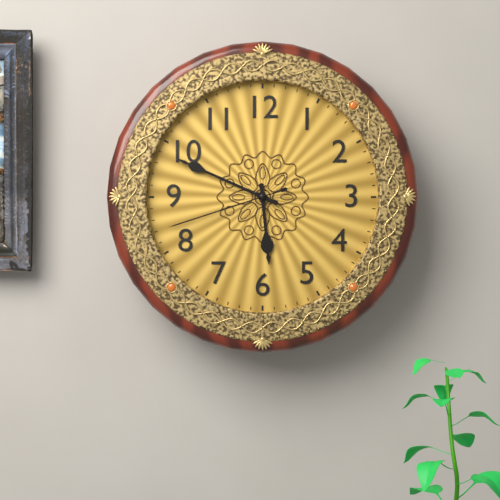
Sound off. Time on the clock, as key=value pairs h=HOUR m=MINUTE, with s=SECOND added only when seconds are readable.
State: h=5 m=49 s=42
